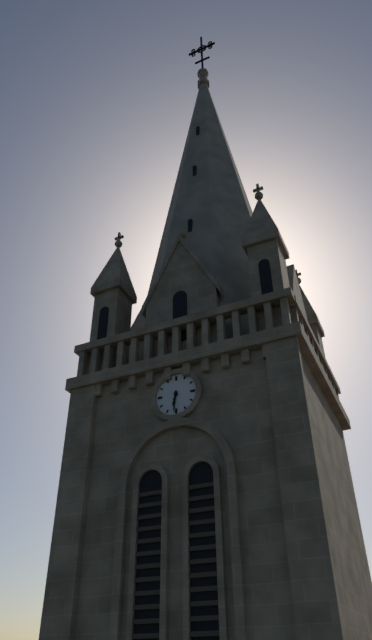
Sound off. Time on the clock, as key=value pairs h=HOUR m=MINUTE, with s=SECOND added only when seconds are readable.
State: h=6 m=31
